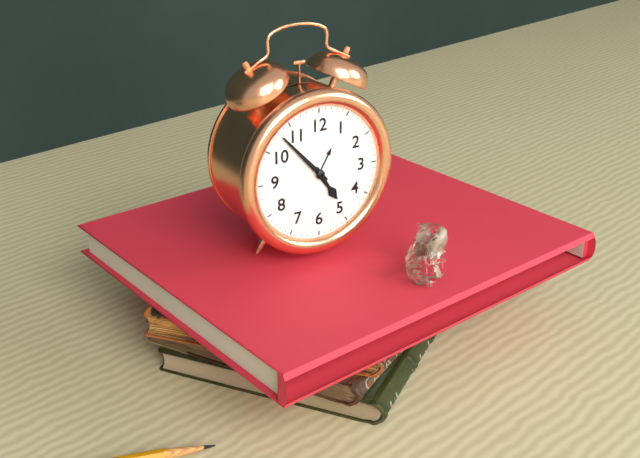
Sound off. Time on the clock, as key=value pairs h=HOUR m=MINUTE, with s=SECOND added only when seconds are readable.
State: h=4 m=53
